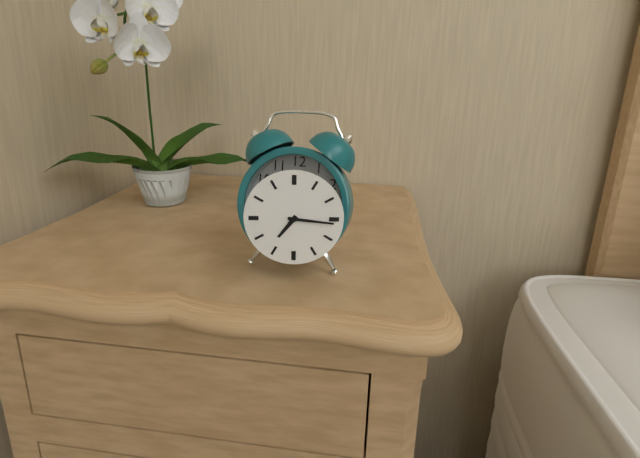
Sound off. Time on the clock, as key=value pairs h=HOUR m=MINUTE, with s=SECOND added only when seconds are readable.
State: h=7 m=16
